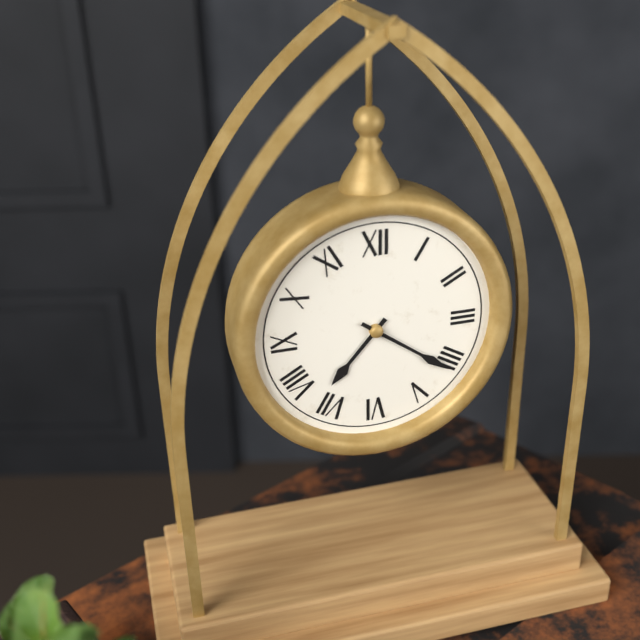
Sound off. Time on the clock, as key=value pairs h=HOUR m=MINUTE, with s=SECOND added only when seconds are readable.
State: h=7 m=21
